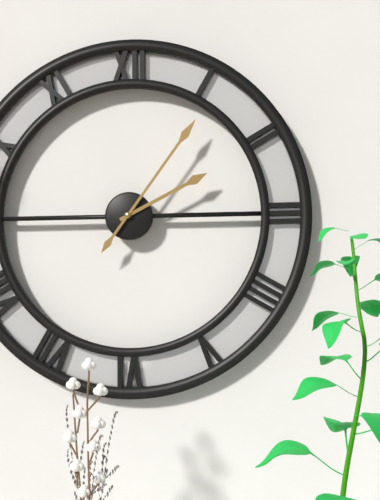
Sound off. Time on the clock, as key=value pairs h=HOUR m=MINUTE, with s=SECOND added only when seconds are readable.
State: h=2 m=6
